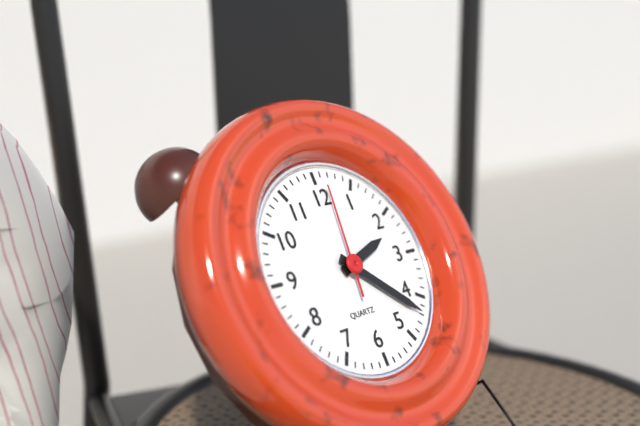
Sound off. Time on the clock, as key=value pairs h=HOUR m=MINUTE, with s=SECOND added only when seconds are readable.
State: h=2 m=22 s=1
